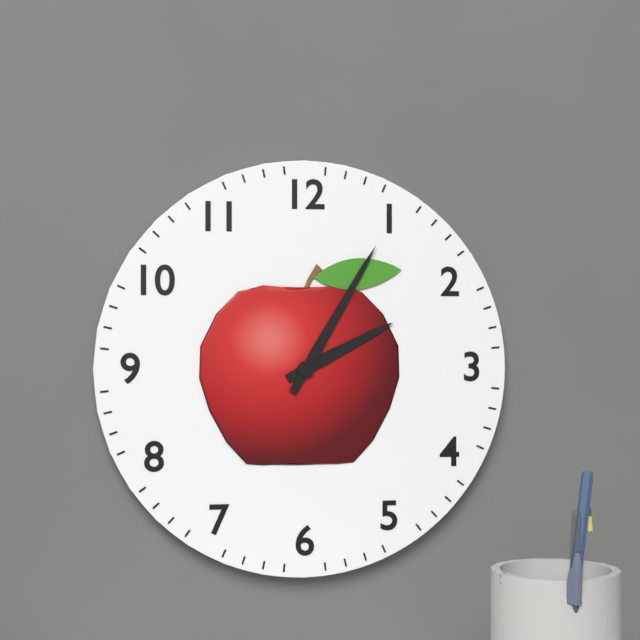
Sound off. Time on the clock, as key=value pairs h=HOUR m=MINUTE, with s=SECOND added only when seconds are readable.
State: h=2 m=5
